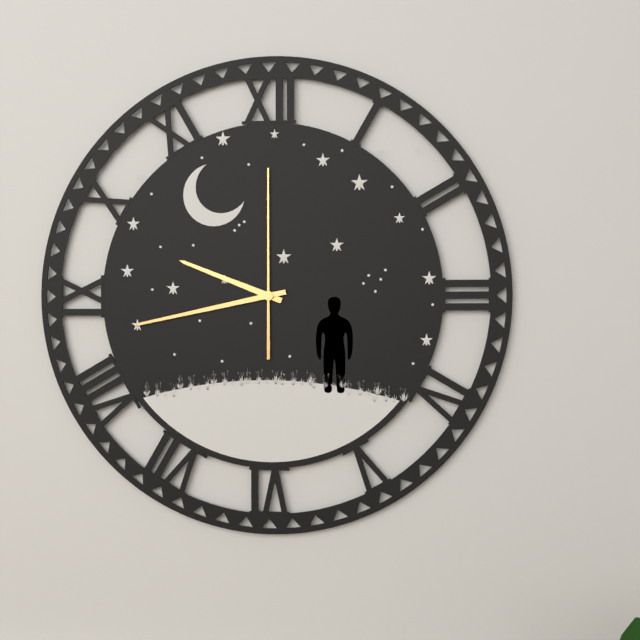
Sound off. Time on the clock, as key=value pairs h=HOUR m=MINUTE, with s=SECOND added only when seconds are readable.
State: h=9 m=43 s=0
